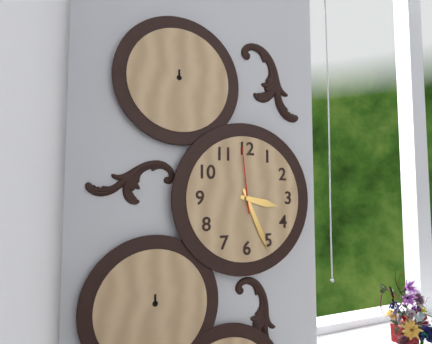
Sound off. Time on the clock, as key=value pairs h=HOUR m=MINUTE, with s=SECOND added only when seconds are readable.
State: h=3 m=26 s=59
